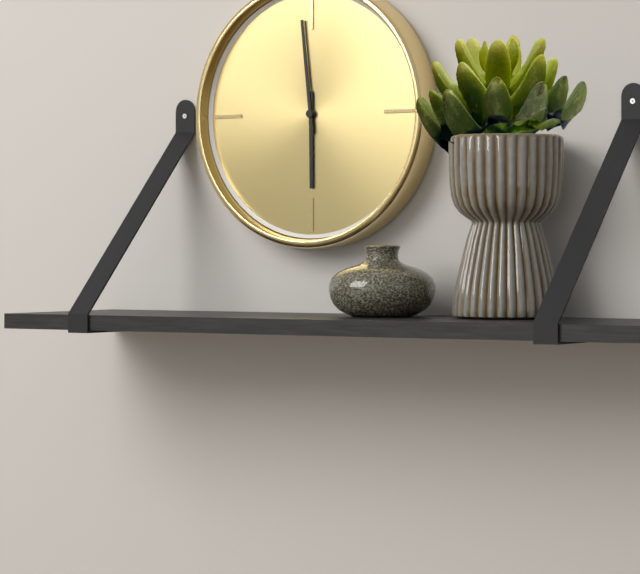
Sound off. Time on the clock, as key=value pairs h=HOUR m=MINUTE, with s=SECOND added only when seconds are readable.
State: h=5 m=59
